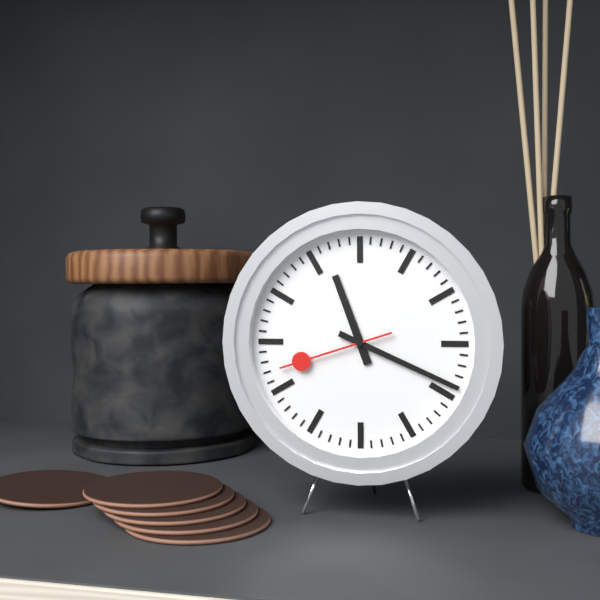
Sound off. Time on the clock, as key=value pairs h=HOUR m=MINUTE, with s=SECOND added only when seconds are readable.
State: h=11 m=19 s=42
